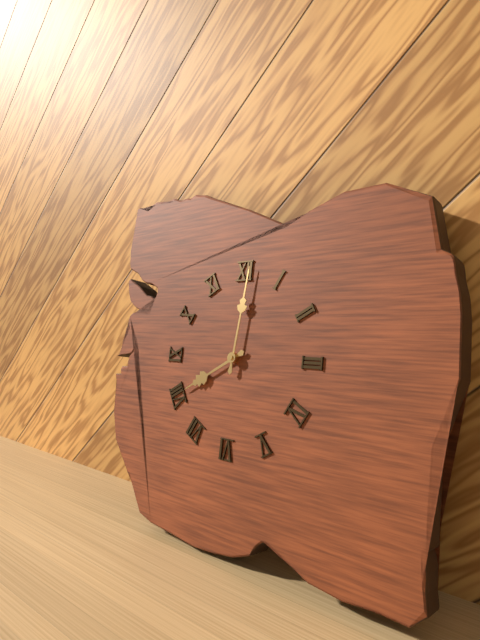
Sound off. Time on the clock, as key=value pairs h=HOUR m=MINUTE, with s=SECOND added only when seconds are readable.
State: h=8 m=1
